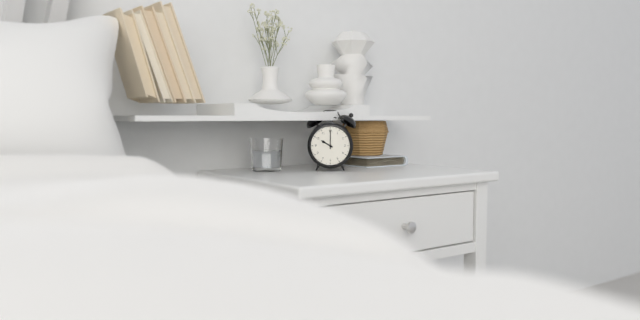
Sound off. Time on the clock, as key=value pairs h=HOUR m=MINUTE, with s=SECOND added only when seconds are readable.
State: h=10 m=0
